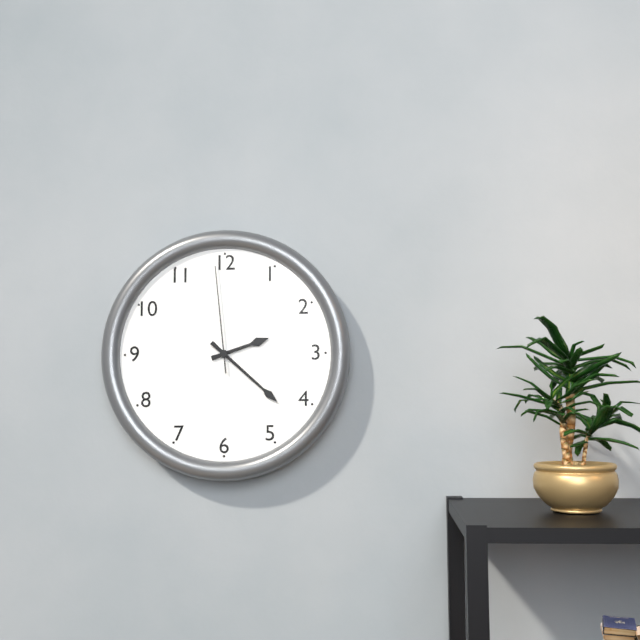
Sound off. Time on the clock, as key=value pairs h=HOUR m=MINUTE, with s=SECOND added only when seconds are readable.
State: h=2 m=22 s=59
